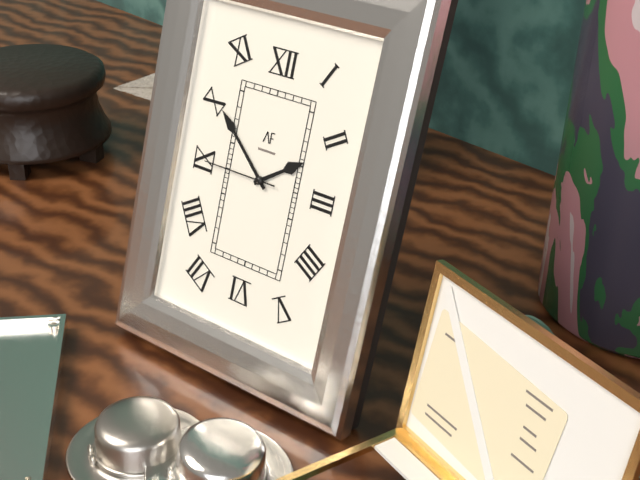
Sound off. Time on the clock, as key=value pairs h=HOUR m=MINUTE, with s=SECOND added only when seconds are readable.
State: h=1 m=52 s=45
